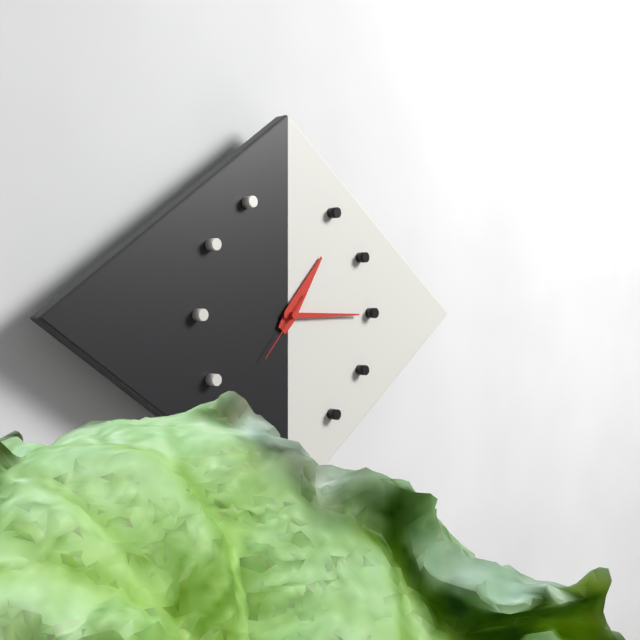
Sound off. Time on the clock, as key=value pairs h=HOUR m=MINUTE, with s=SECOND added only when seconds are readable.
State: h=1 m=15 s=37
